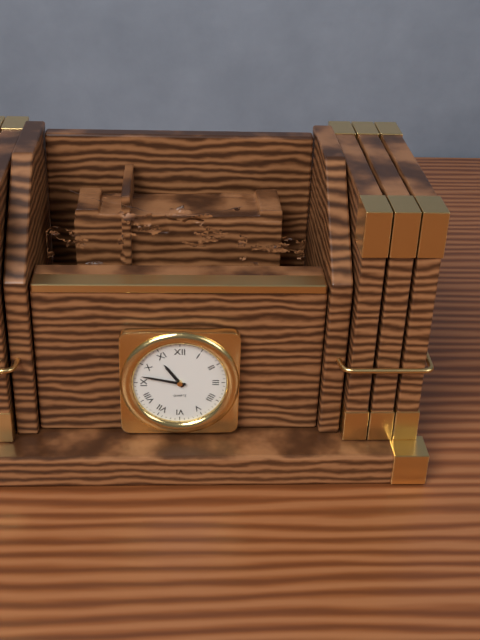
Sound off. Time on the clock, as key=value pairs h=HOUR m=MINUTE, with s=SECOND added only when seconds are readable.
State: h=10 m=47
